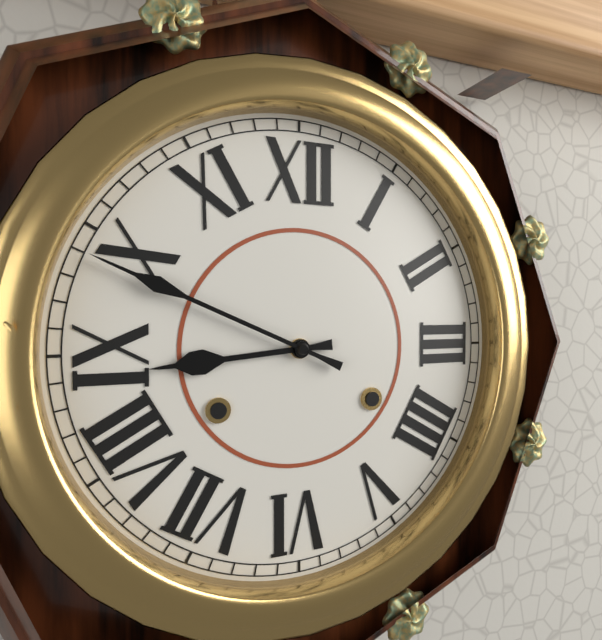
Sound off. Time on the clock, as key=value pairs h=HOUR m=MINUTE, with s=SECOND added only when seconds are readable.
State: h=8 m=49
